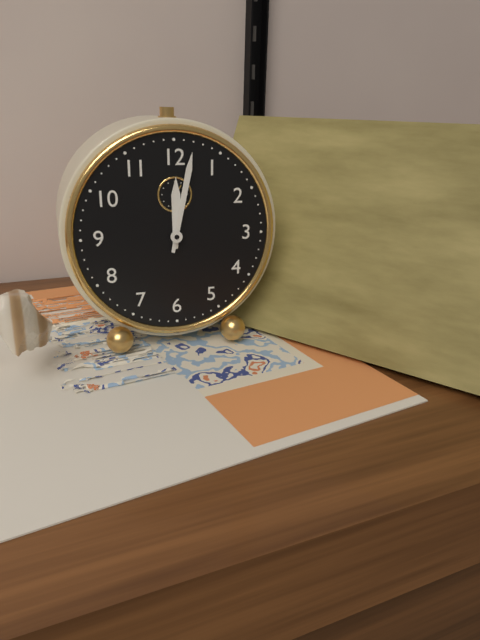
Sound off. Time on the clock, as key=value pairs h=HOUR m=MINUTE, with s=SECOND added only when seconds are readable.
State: h=12 m=2
